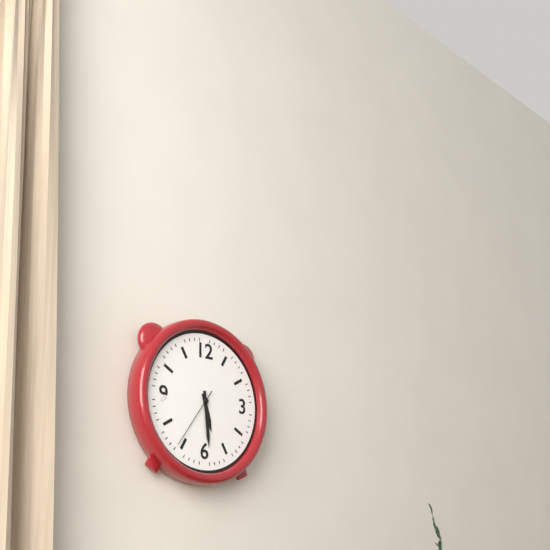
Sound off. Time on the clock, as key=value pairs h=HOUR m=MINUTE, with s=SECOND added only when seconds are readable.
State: h=5 m=29 s=36
